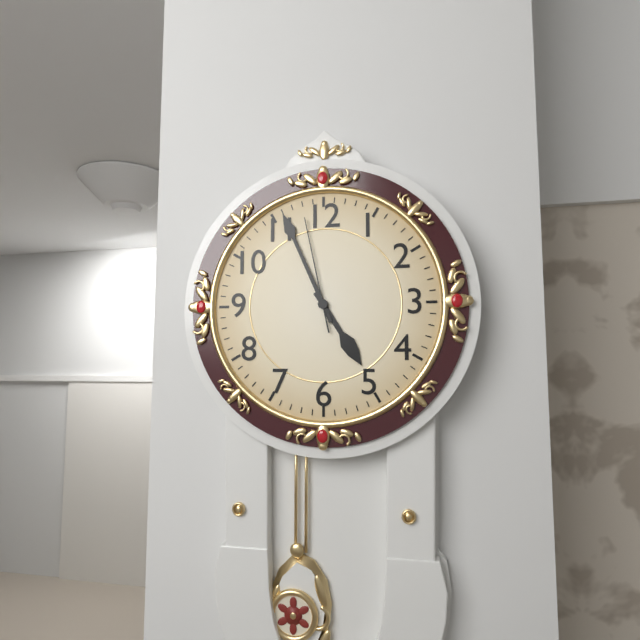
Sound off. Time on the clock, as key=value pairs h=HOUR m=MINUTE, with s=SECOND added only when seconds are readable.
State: h=4 m=56 s=58
